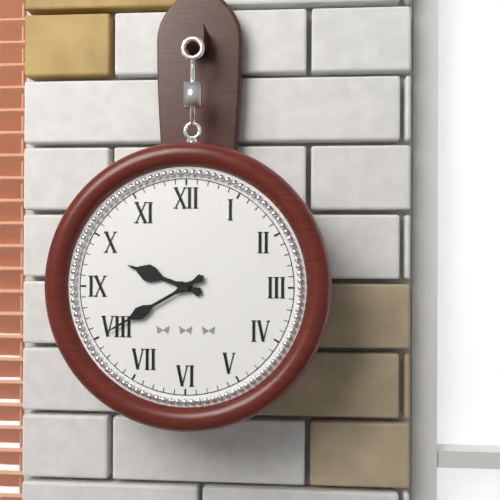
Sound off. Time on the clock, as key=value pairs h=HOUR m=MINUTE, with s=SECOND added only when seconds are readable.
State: h=9 m=40
